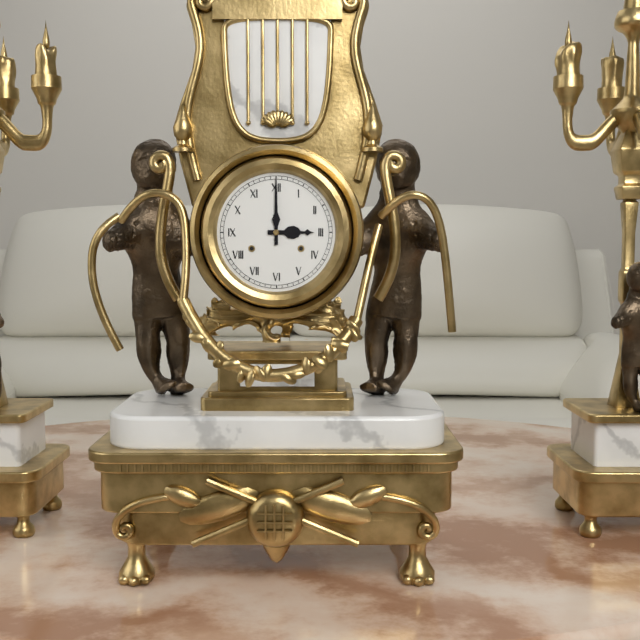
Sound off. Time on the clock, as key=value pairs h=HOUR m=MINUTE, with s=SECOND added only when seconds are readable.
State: h=3 m=0
